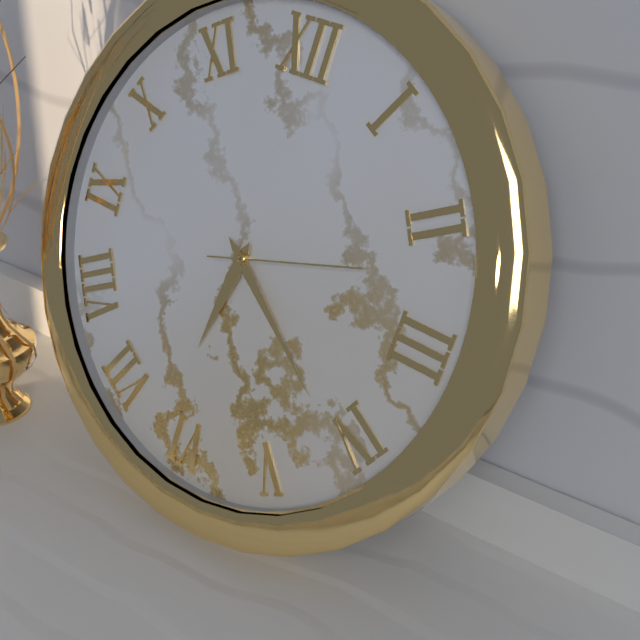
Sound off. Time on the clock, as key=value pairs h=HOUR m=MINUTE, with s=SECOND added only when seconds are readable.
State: h=6 m=21 s=12
